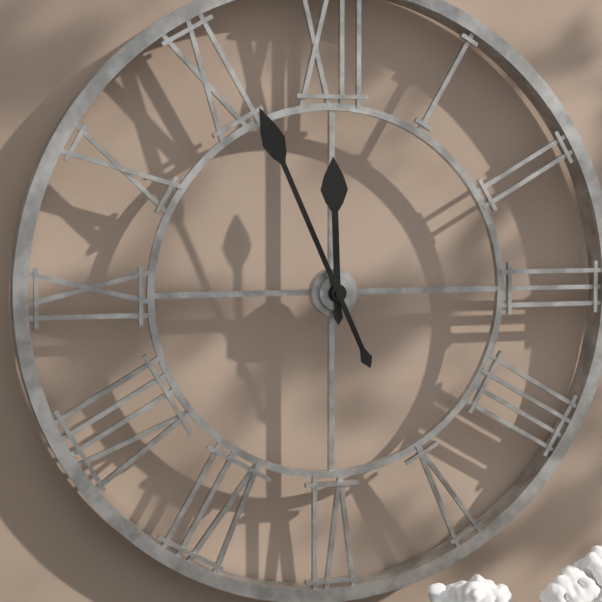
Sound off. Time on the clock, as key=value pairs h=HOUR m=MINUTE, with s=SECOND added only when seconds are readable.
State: h=11 m=56
